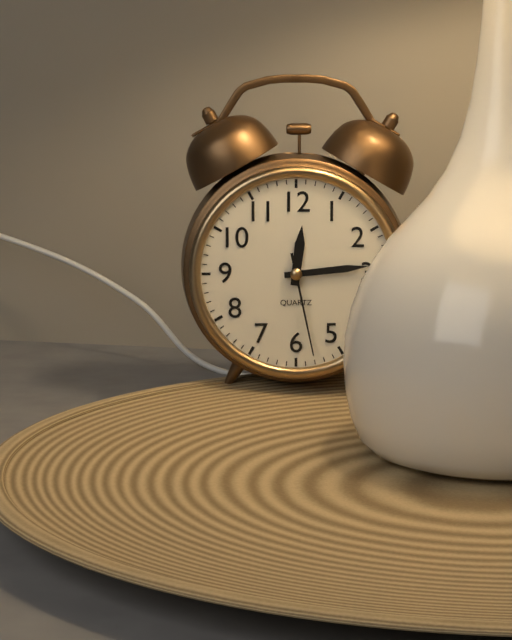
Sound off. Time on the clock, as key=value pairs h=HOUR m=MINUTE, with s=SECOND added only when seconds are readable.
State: h=12 m=14 s=28
